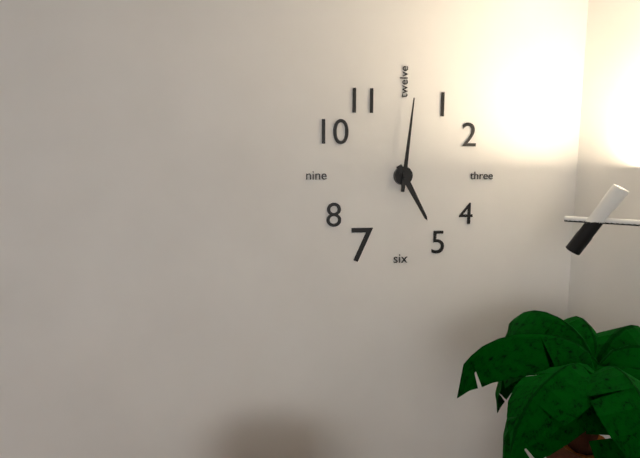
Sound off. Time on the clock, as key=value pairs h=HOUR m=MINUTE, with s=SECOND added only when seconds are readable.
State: h=5 m=1
